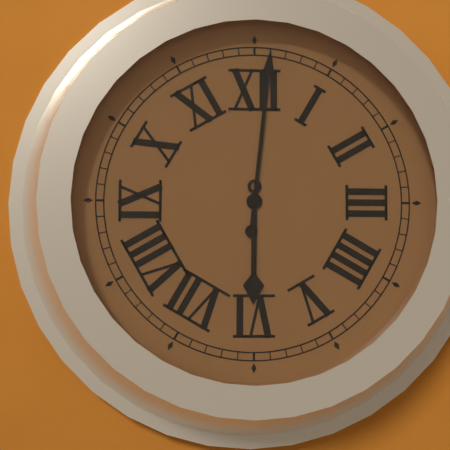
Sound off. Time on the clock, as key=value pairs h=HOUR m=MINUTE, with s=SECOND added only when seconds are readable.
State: h=6 m=1
